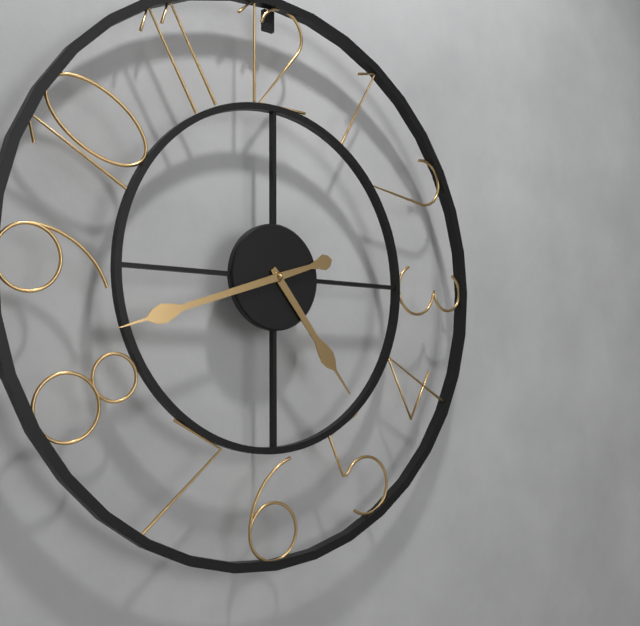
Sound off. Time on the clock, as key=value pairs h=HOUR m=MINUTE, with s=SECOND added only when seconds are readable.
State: h=4 m=42
